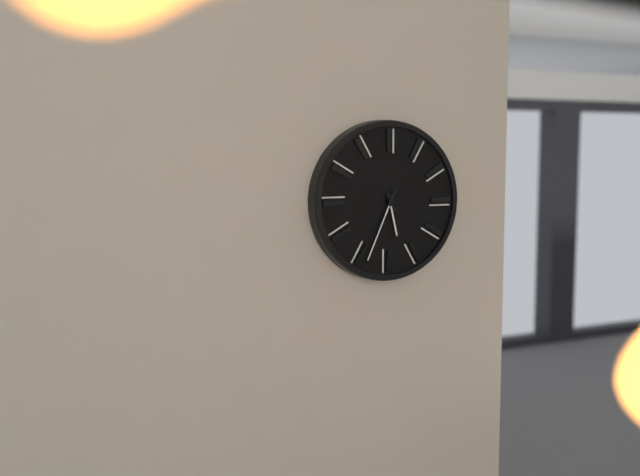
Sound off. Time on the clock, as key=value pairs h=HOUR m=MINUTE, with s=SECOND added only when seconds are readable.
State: h=5 m=34
